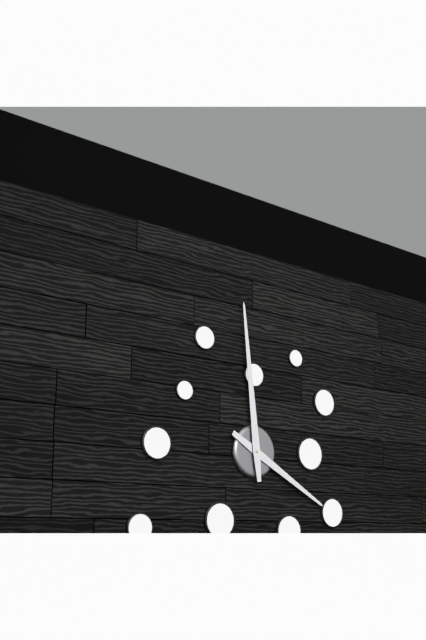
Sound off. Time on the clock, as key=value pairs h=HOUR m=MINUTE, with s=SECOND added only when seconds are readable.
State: h=3 m=59
